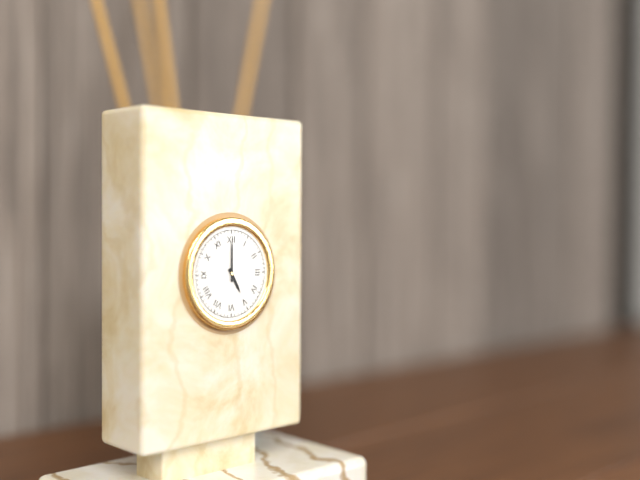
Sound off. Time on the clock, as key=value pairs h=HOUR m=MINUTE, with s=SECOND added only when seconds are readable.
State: h=5 m=0
